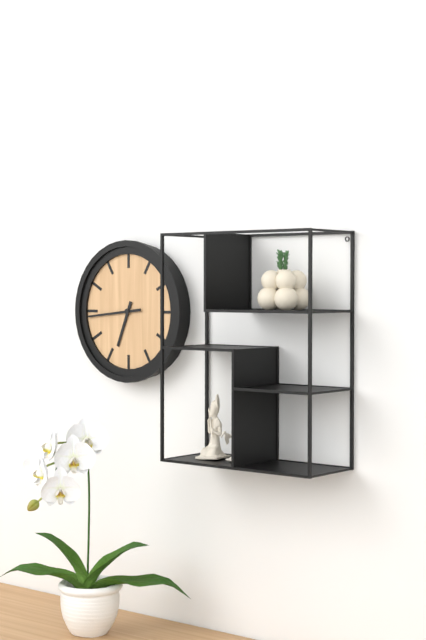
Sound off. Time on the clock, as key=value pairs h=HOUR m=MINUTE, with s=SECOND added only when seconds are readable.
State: h=6 m=44
